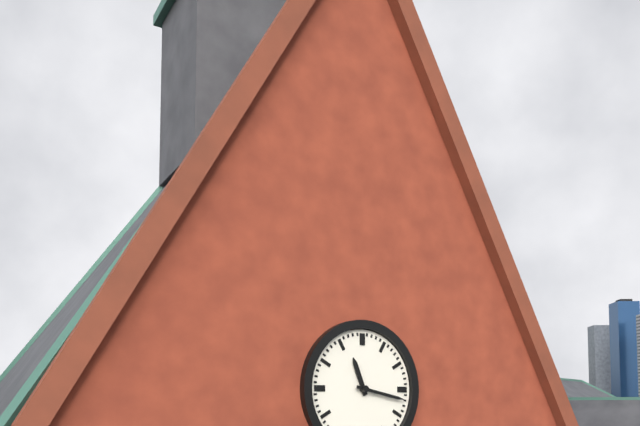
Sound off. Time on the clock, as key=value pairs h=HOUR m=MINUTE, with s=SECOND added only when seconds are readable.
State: h=11 m=17
